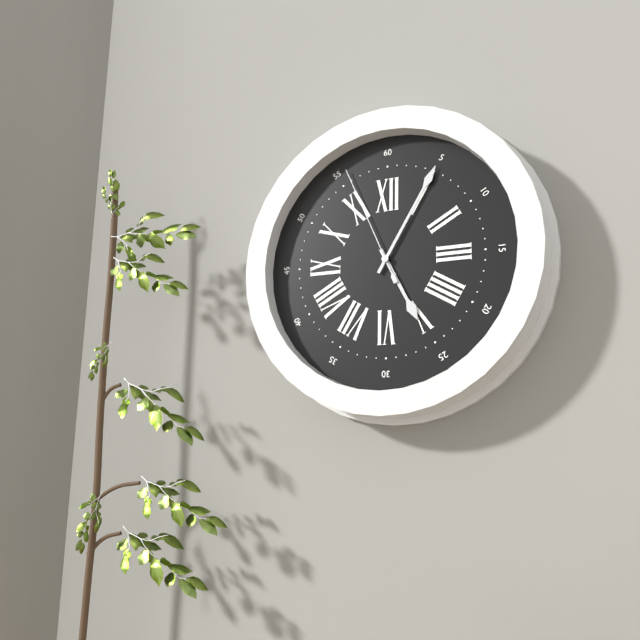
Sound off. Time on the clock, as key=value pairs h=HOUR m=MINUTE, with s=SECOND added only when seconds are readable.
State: h=5 m=5 s=56
